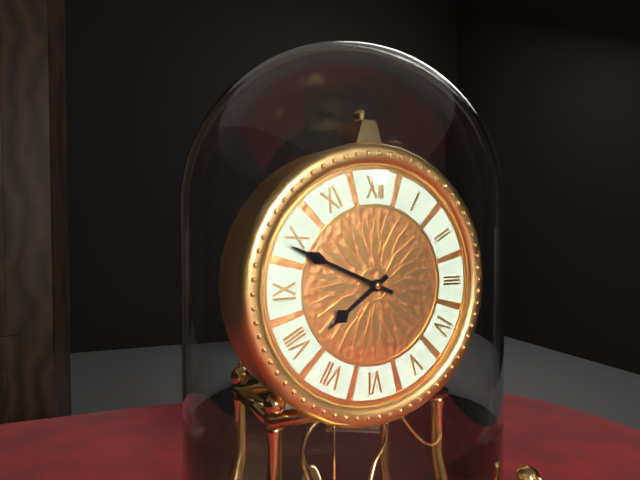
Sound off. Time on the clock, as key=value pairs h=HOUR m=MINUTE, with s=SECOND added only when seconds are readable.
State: h=7 m=49
